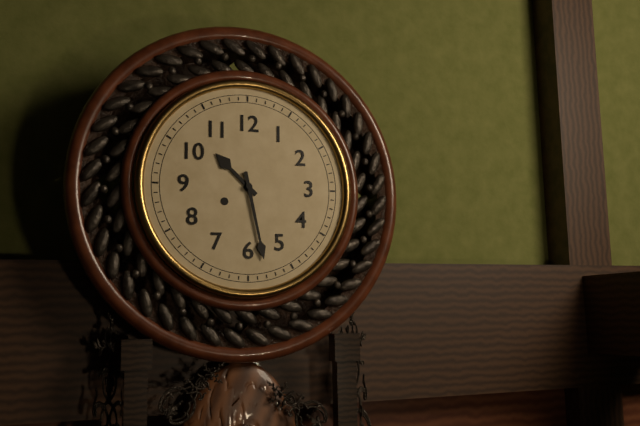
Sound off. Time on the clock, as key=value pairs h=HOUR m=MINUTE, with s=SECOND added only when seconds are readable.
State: h=10 m=28
